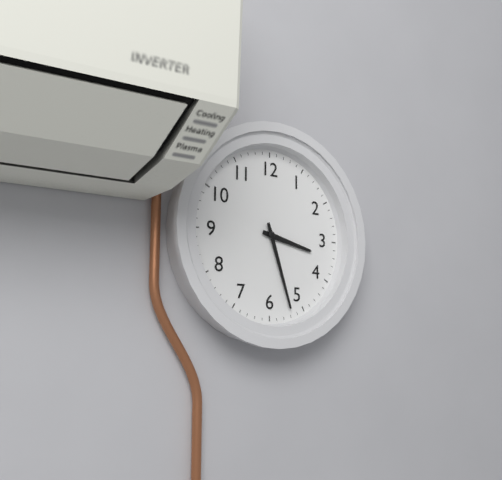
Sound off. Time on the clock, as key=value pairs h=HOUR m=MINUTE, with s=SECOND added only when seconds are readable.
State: h=3 m=27
